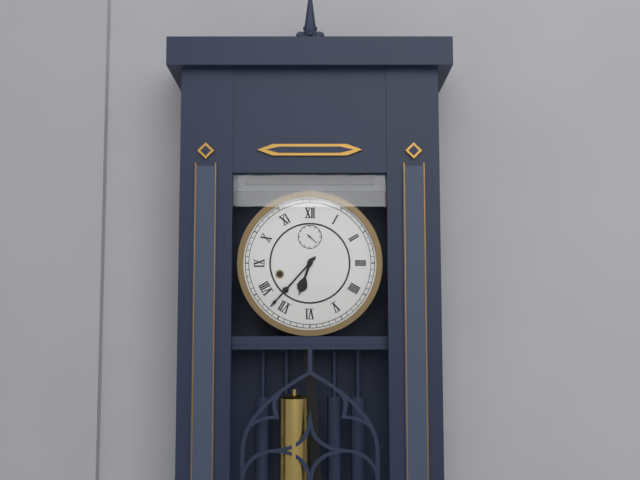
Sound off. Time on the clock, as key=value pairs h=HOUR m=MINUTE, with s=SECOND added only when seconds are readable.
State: h=6 m=37
